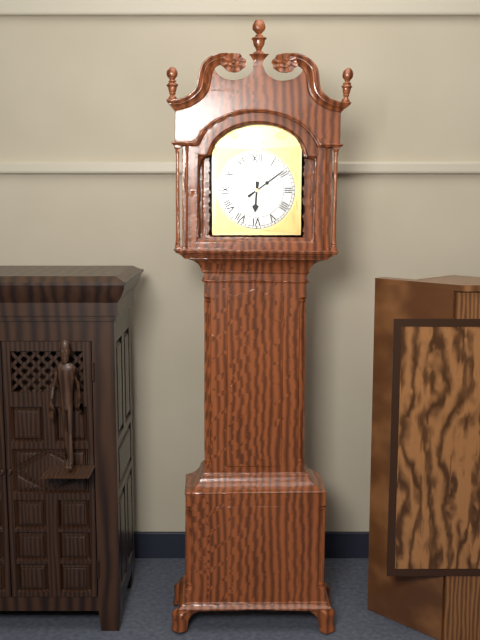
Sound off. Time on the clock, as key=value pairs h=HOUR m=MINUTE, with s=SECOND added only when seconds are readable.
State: h=6 m=9
